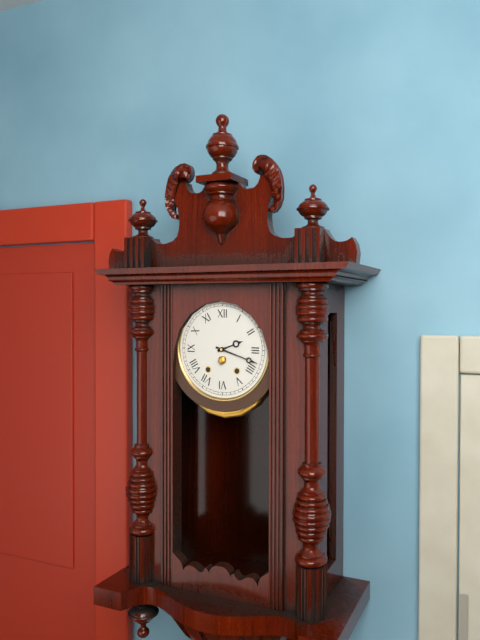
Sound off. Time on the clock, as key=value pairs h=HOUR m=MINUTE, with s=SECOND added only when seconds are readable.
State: h=2 m=18
